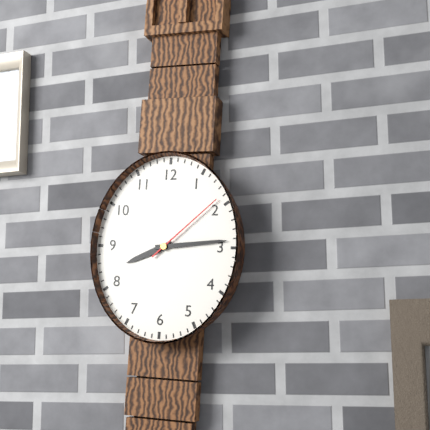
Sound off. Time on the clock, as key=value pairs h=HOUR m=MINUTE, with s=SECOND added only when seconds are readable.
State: h=8 m=14 s=8
